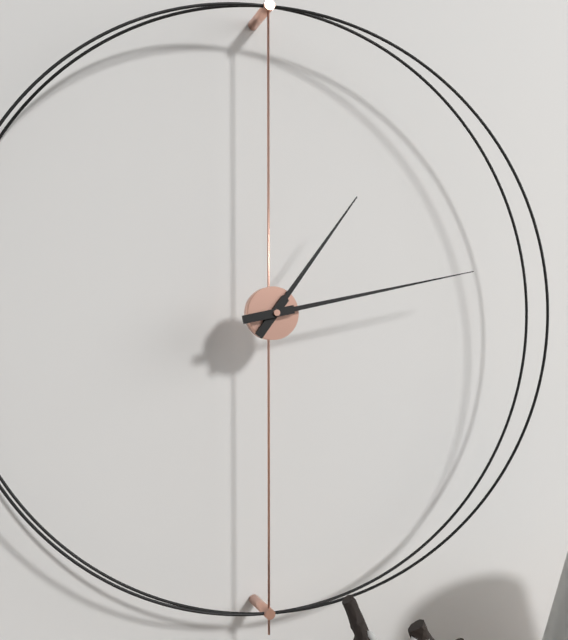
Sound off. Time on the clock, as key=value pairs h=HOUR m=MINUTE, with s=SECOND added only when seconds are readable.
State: h=1 m=13
